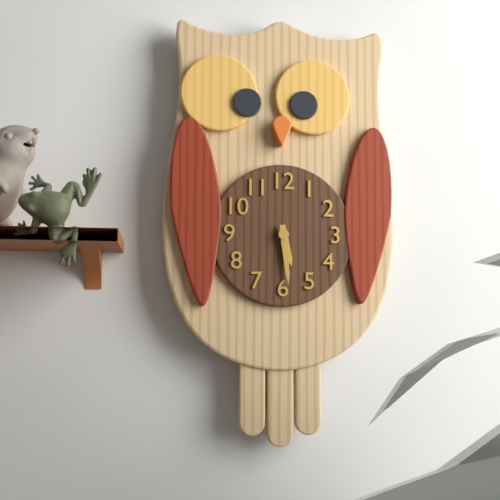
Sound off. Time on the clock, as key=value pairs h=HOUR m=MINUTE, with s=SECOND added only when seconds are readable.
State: h=5 m=29
